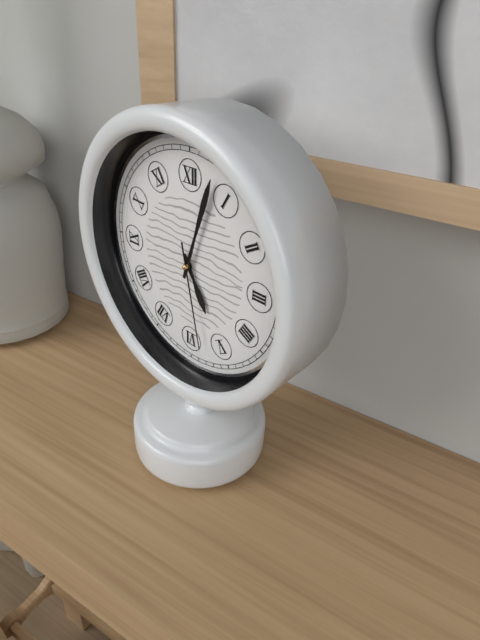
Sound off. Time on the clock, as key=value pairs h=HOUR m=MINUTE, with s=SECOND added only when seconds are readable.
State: h=5 m=3 s=28
